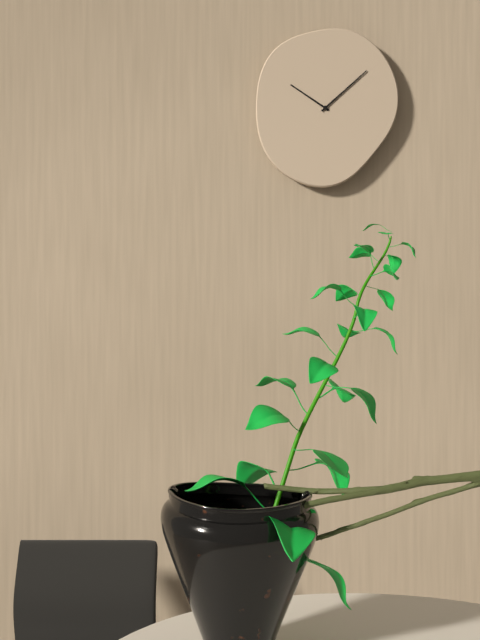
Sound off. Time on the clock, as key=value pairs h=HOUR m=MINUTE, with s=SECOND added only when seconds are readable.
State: h=10 m=8
